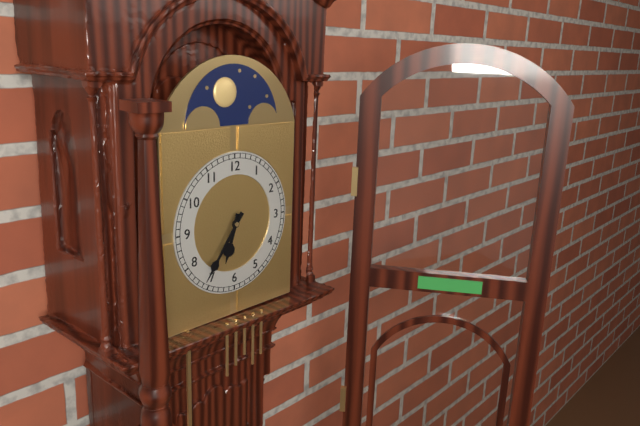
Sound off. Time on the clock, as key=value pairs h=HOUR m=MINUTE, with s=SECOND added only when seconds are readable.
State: h=6 m=36
